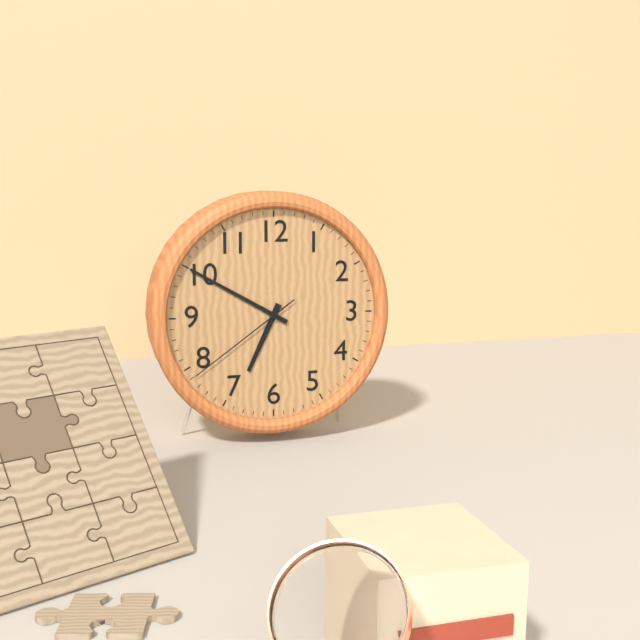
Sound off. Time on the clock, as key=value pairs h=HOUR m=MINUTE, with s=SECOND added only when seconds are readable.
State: h=6 m=50 s=39
